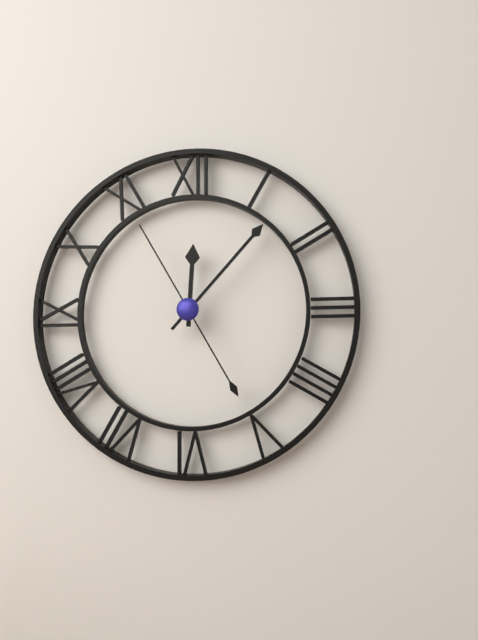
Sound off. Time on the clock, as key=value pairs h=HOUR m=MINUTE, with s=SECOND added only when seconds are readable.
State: h=12 m=7 s=55
